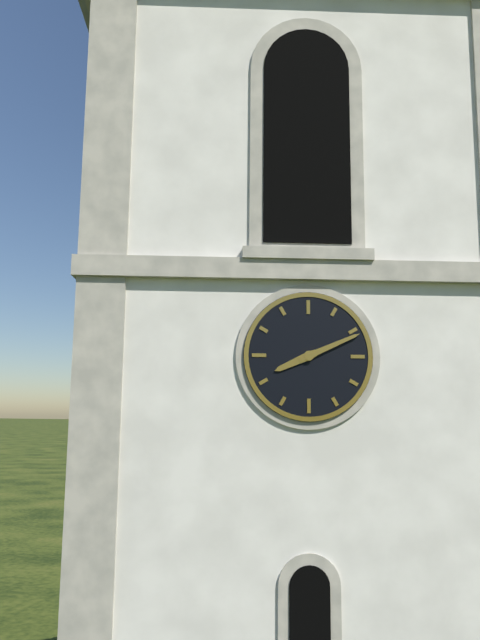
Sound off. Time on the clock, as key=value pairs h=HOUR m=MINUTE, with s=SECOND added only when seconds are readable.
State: h=8 m=11
